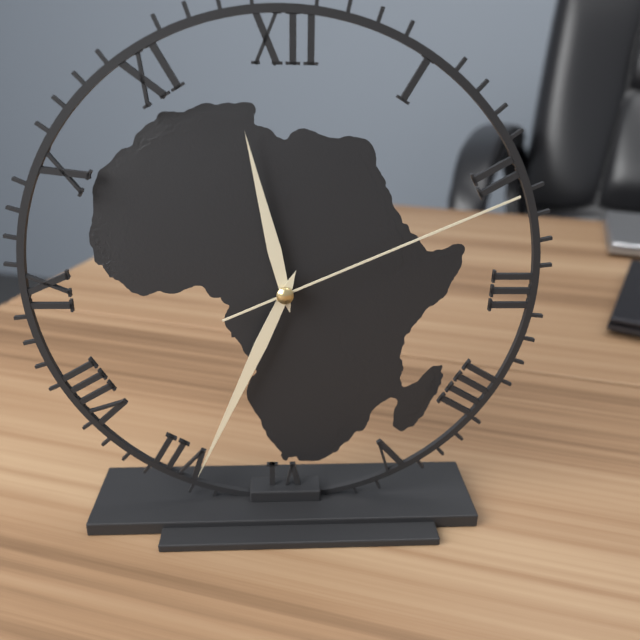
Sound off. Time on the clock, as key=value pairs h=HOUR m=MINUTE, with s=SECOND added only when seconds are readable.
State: h=11 m=34 s=11
